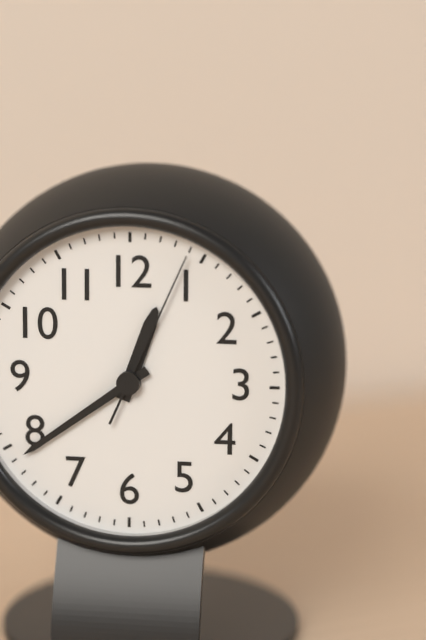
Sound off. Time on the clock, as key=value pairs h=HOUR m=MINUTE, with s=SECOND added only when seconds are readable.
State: h=12 m=39 s=4
